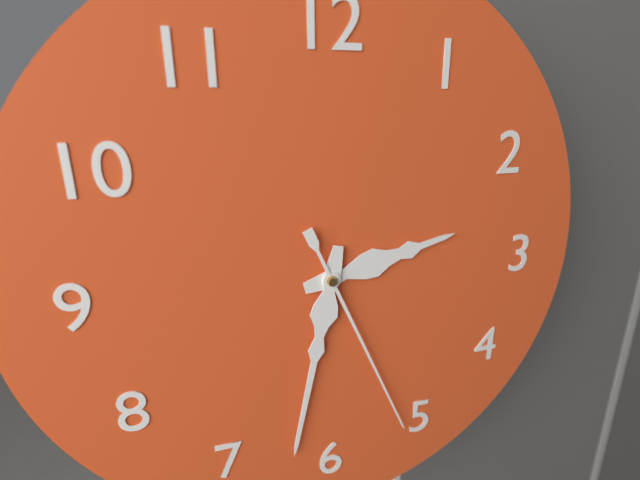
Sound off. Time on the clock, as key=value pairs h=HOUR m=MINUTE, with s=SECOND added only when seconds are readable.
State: h=2 m=32 s=26
